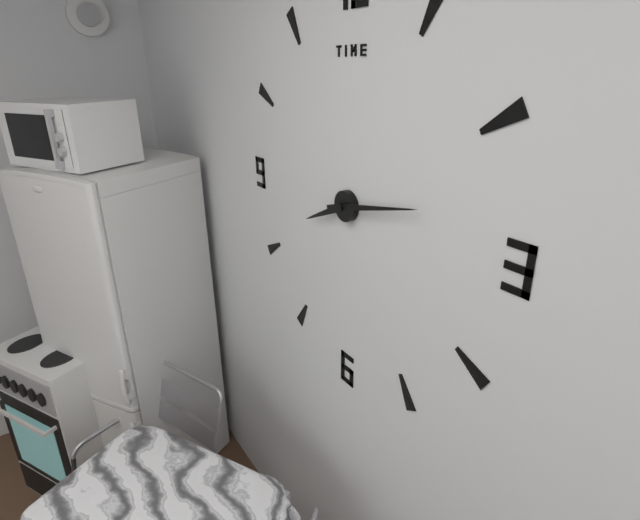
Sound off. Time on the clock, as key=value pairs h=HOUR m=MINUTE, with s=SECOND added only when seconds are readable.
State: h=8 m=13
